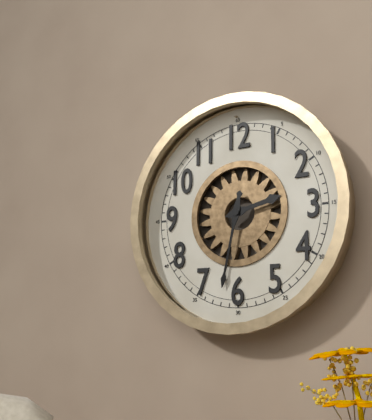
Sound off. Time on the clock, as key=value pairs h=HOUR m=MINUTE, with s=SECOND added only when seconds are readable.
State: h=2 m=32
